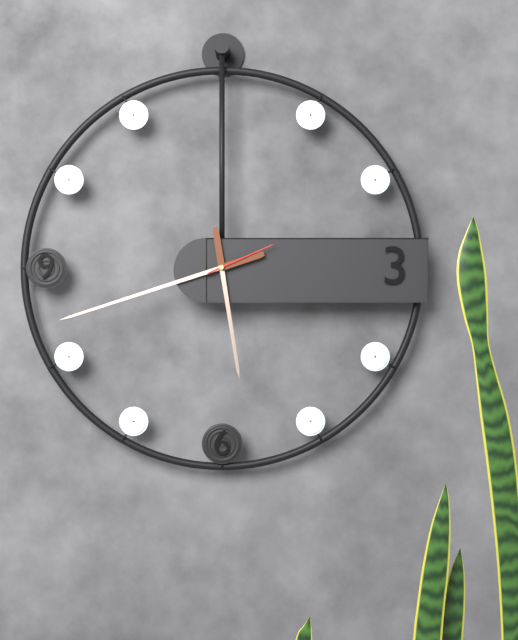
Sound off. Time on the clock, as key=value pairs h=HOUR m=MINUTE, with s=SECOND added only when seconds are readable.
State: h=5 m=42 s=11
